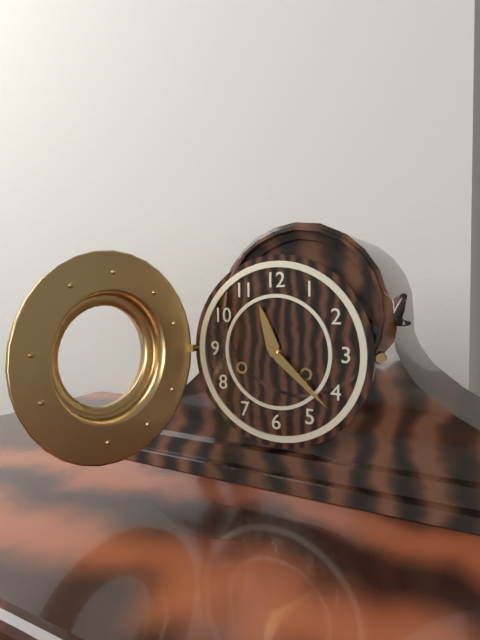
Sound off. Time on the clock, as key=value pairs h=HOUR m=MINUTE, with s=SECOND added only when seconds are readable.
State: h=11 m=22
